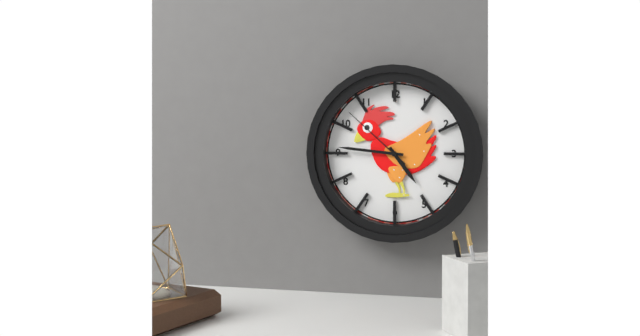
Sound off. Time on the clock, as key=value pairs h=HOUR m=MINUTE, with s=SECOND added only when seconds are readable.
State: h=4 m=46 s=52
